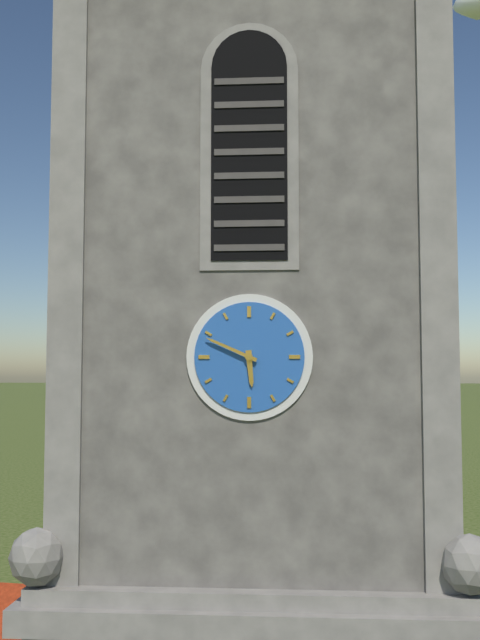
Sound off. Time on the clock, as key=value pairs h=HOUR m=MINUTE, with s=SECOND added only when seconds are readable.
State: h=5 m=49
